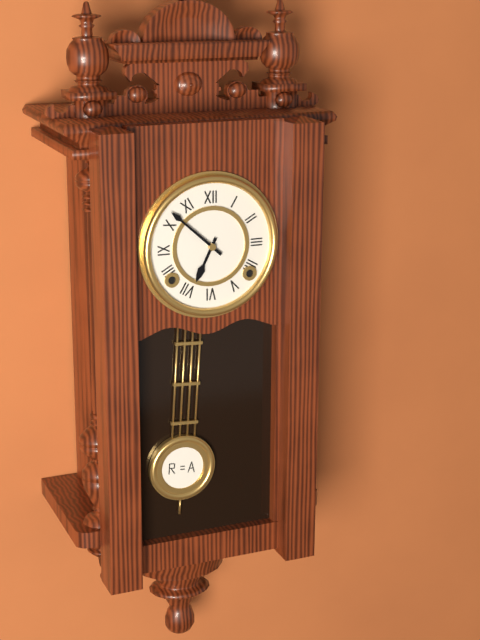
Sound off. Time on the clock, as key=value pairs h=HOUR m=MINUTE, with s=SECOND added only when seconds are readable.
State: h=6 m=52
